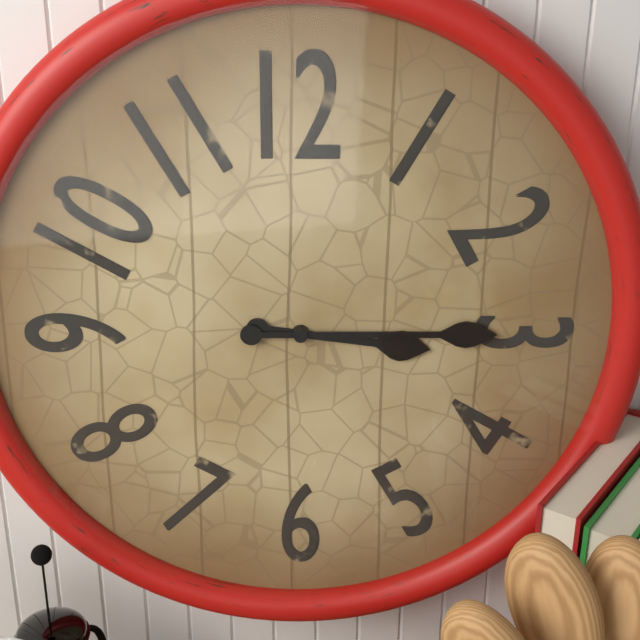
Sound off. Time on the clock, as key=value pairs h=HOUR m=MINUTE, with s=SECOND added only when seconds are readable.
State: h=3 m=15
